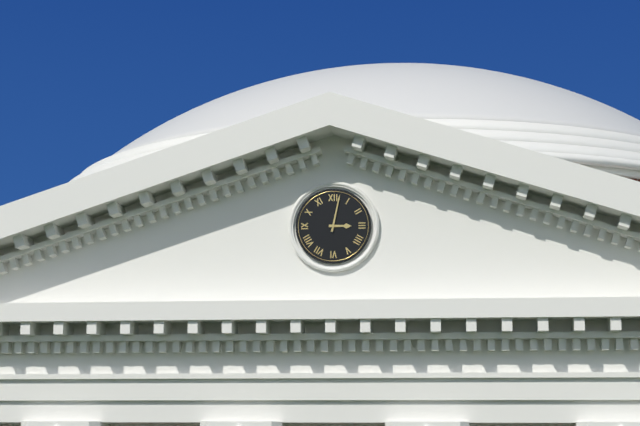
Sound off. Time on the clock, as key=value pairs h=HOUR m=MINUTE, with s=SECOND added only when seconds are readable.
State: h=3 m=2
